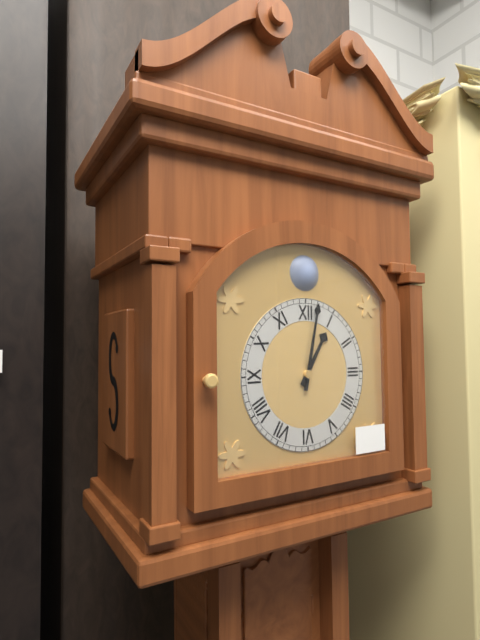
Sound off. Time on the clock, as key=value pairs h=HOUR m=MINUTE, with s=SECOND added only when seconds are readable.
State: h=1 m=2
